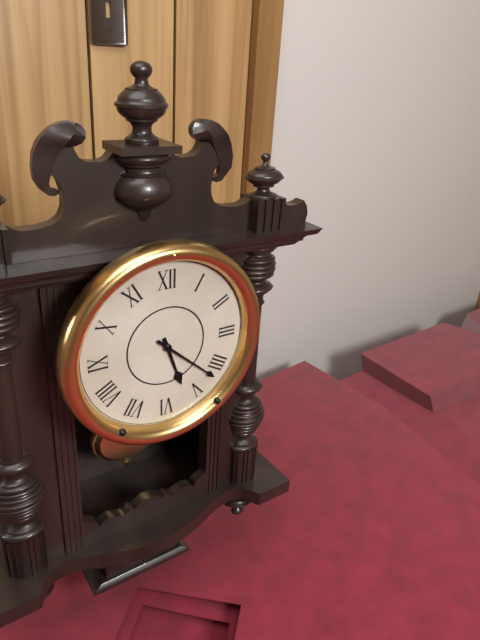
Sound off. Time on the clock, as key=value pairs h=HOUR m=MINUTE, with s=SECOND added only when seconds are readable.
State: h=5 m=22
